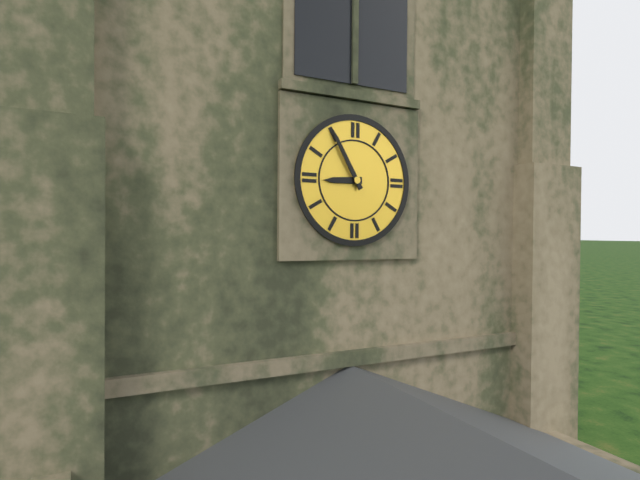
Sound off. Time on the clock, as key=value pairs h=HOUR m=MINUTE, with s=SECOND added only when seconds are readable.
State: h=8 m=55
